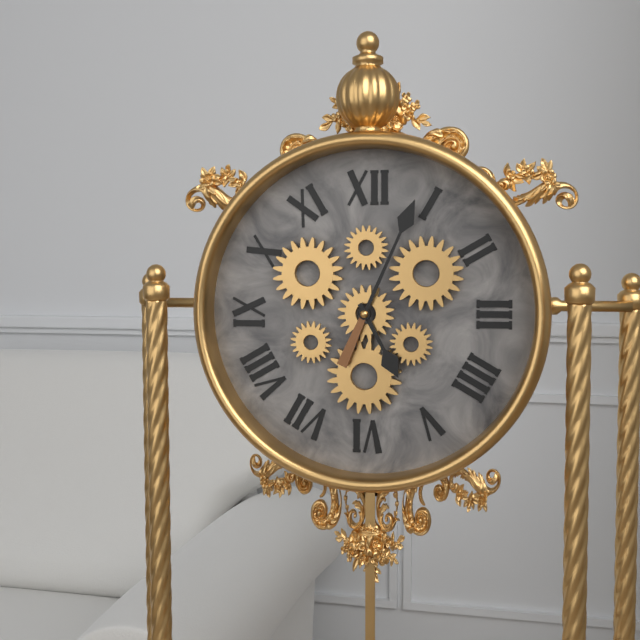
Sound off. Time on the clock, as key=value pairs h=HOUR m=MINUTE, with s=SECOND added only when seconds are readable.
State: h=5 m=4
